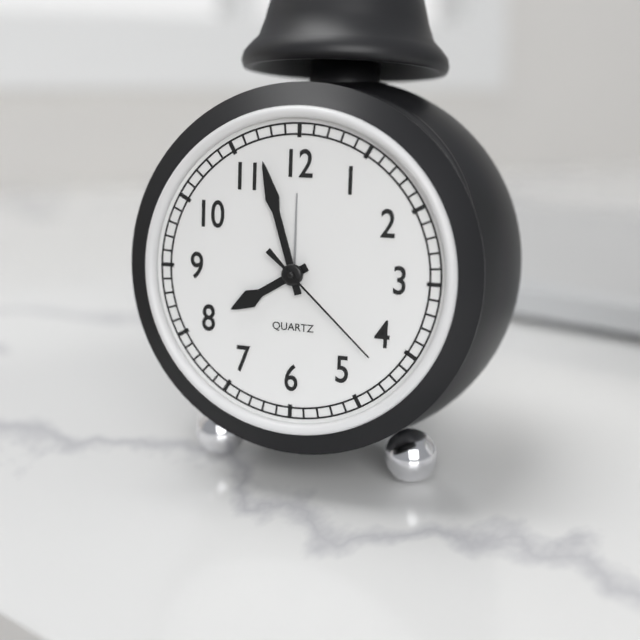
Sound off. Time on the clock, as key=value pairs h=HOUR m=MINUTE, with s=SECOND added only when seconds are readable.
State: h=7 m=57 s=22
